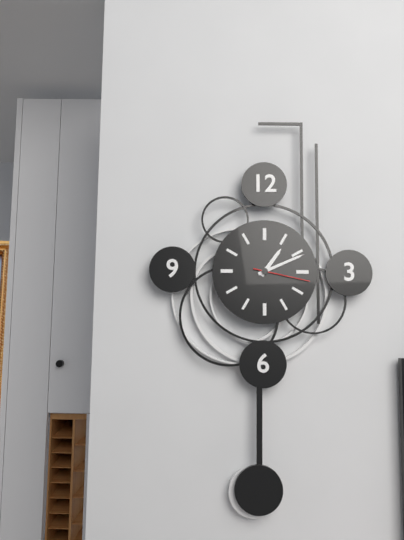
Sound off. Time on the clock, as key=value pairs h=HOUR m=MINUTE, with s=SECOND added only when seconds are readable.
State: h=1 m=11 s=17
